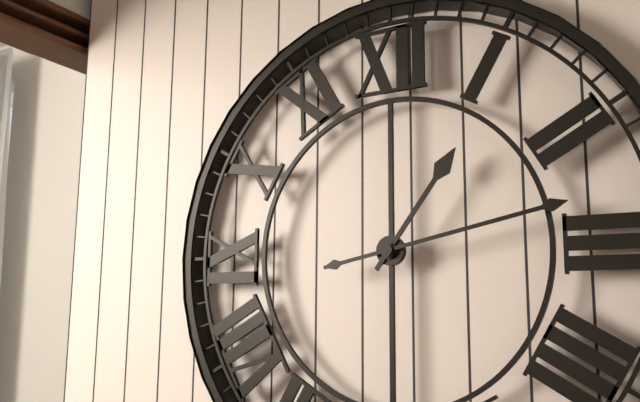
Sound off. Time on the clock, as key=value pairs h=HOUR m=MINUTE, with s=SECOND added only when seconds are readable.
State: h=1 m=13
